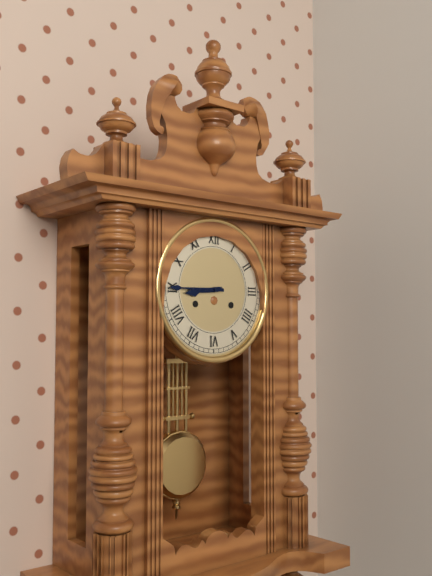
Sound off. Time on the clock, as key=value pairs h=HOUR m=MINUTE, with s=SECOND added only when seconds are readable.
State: h=8 m=45
